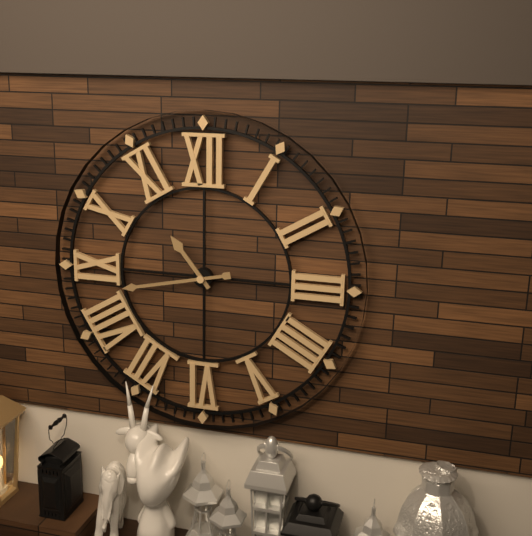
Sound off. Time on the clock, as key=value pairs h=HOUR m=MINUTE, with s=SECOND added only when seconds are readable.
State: h=10 m=43
